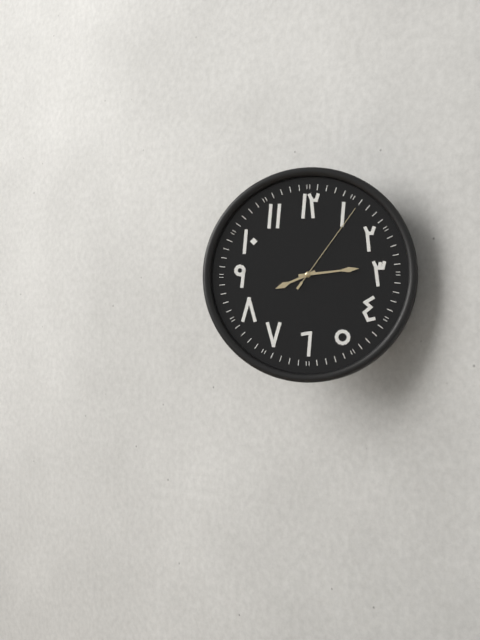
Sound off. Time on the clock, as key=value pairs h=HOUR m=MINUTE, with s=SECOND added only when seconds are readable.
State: h=8 m=14 s=6
